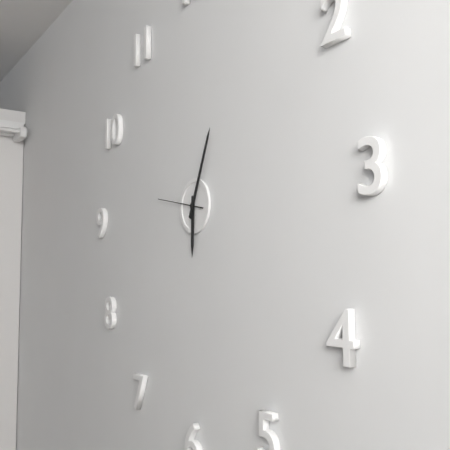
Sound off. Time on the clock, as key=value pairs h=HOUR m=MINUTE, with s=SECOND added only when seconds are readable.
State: h=6 m=4
